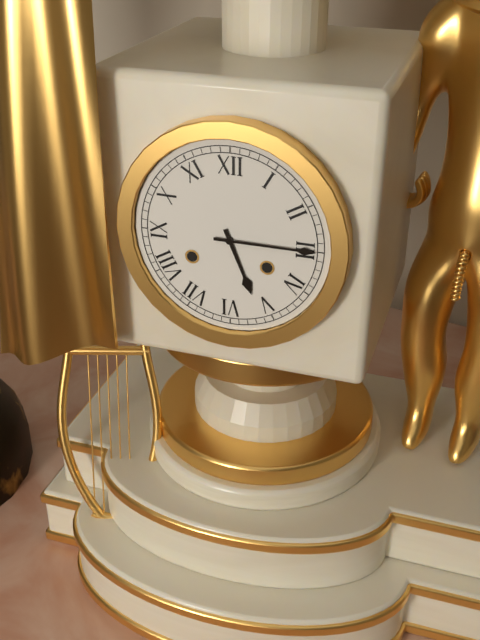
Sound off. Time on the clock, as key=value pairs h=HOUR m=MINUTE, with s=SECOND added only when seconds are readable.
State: h=5 m=15
